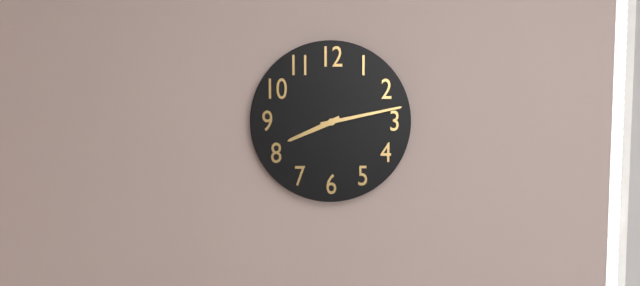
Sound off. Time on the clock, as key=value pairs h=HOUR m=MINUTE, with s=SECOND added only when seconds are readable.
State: h=8 m=13
